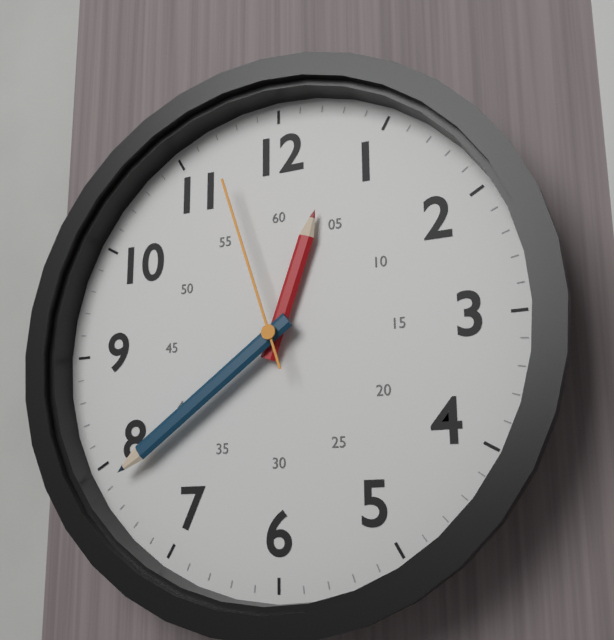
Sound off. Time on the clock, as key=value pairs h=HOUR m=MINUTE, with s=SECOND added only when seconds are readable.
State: h=12 m=39 s=57
